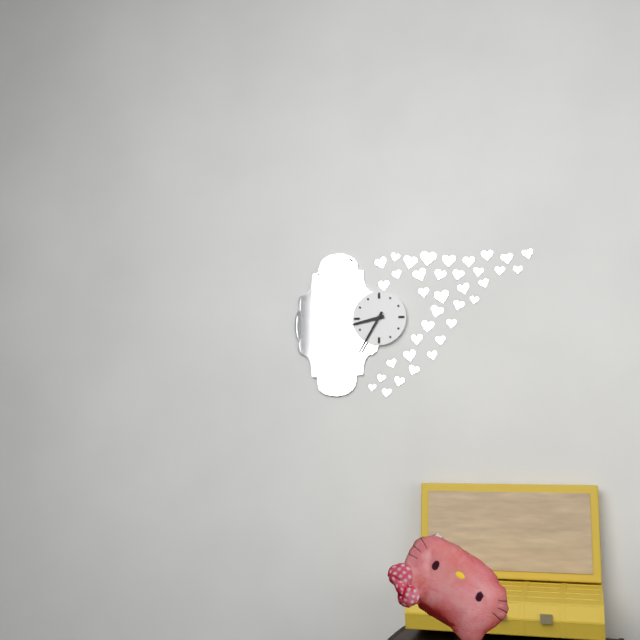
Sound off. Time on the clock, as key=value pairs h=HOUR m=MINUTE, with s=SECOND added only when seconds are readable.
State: h=8 m=35
